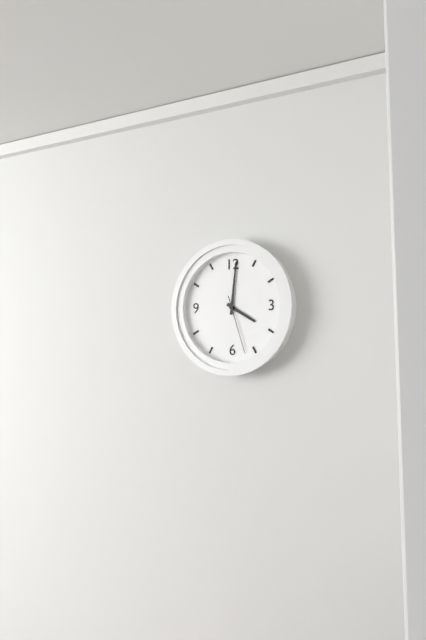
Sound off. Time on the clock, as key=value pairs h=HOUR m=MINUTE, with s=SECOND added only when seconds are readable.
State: h=4 m=1 s=27
